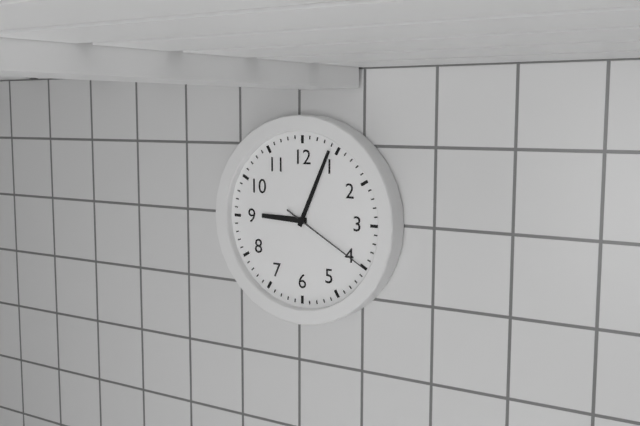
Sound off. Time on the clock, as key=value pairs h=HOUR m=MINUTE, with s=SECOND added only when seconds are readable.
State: h=9 m=4 s=20
